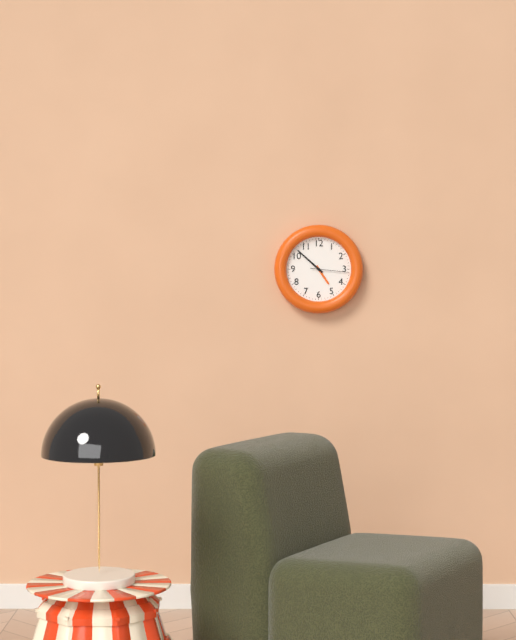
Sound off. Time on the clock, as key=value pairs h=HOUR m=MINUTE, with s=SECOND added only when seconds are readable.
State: h=4 m=52
